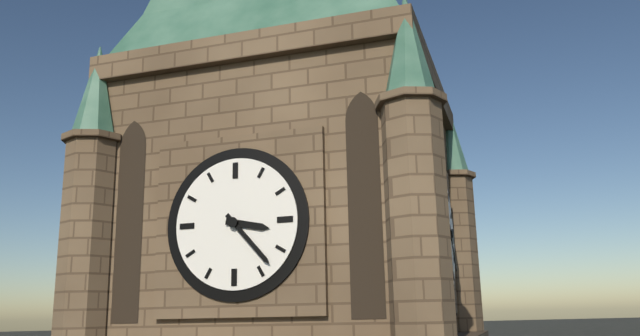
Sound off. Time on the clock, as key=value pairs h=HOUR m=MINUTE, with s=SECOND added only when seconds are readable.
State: h=3 m=23
